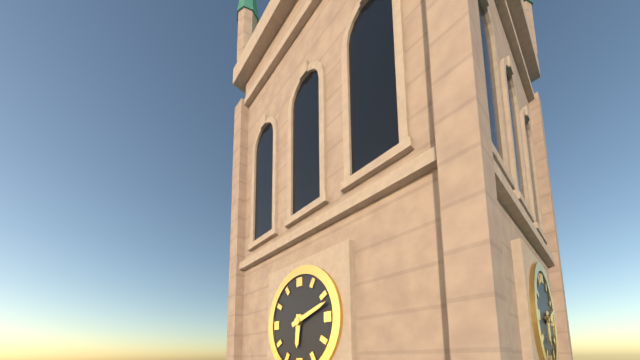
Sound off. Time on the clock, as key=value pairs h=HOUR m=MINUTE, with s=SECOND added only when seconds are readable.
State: h=6 m=12
